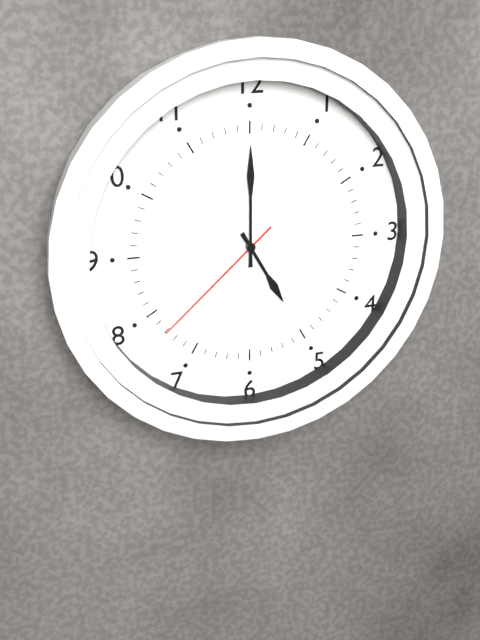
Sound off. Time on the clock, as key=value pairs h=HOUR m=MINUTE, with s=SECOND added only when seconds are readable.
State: h=5 m=0 s=38
